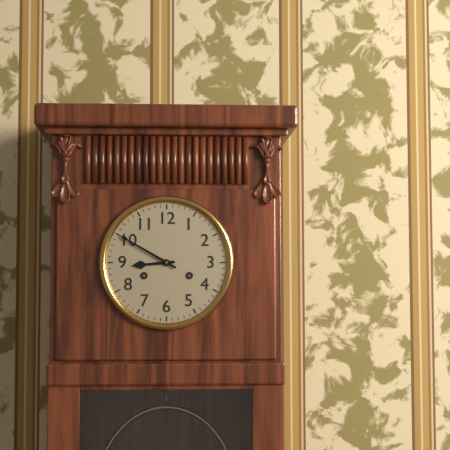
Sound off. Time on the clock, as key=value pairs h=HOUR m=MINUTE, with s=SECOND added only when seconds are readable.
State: h=8 m=50
